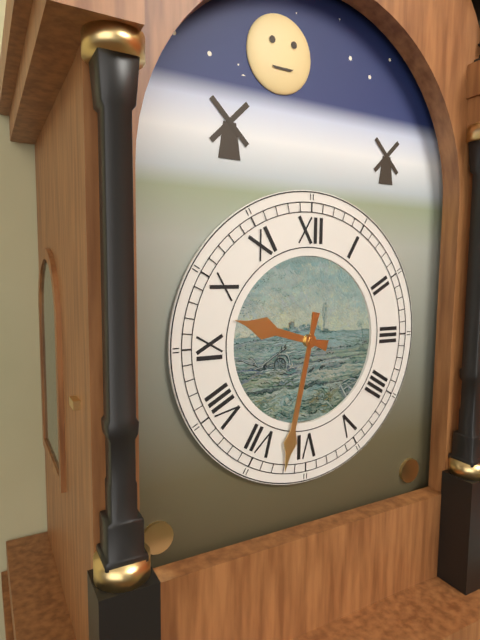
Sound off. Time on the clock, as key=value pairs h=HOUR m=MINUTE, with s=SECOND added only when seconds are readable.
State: h=9 m=32
